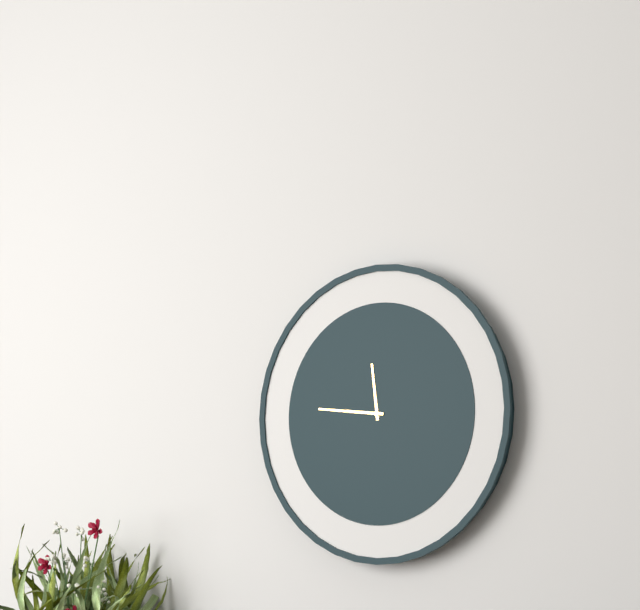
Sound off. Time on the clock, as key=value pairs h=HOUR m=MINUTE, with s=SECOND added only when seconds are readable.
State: h=11 m=46
